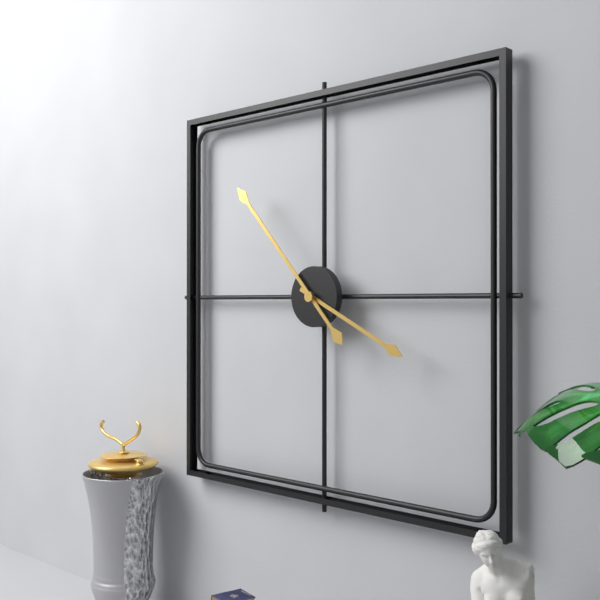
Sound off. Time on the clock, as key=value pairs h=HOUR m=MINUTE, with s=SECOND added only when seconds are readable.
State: h=3 m=53
